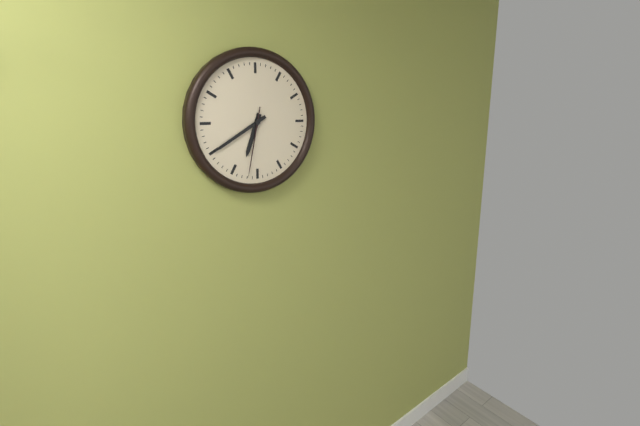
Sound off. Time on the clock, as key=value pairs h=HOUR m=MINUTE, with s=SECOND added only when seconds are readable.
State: h=6 m=40 s=32
